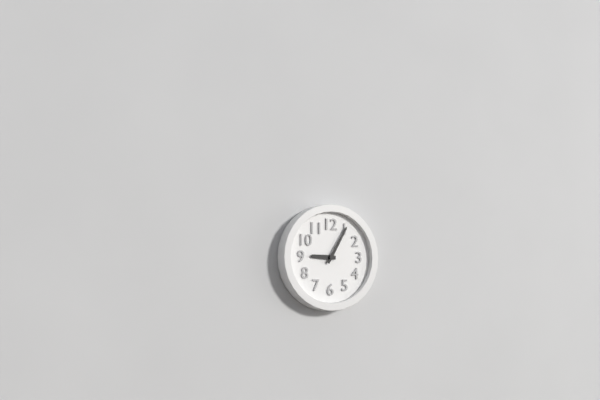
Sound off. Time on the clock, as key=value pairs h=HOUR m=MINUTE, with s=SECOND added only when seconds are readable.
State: h=9 m=5
